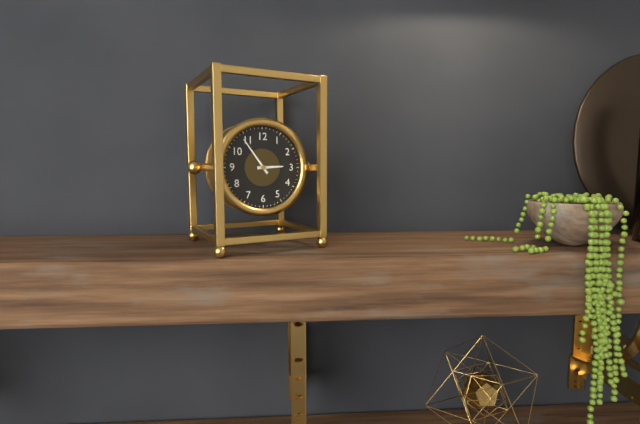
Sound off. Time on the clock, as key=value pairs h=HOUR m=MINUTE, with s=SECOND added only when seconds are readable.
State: h=2 m=54
